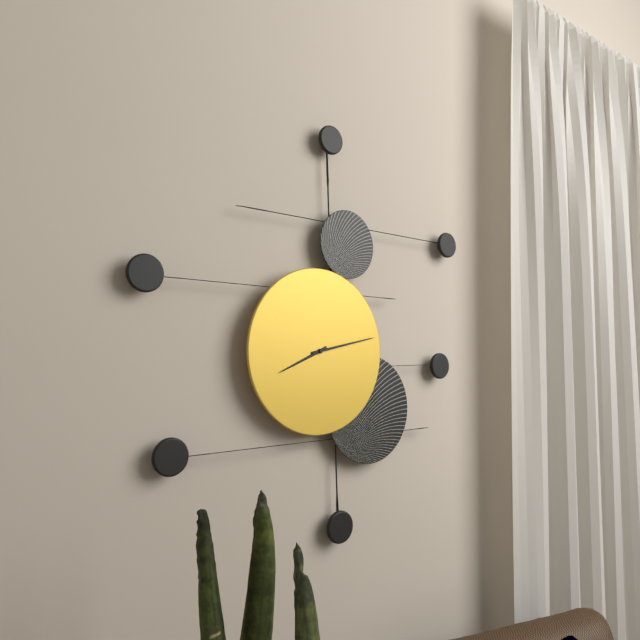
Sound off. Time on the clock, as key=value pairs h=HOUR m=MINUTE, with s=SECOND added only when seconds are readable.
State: h=8 m=13
